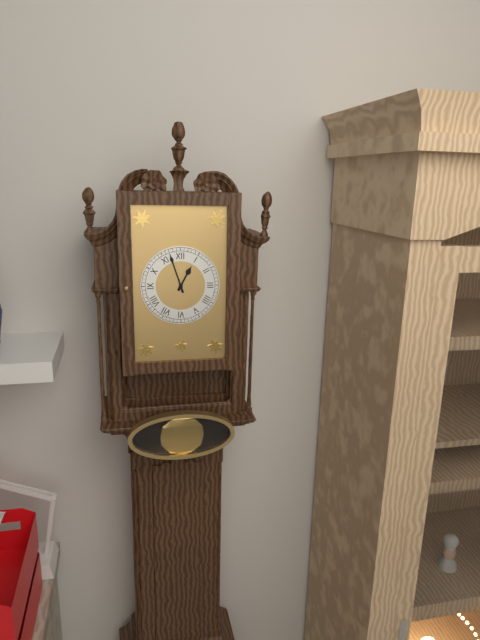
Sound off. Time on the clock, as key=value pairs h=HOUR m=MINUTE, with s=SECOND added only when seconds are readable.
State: h=12 m=57
